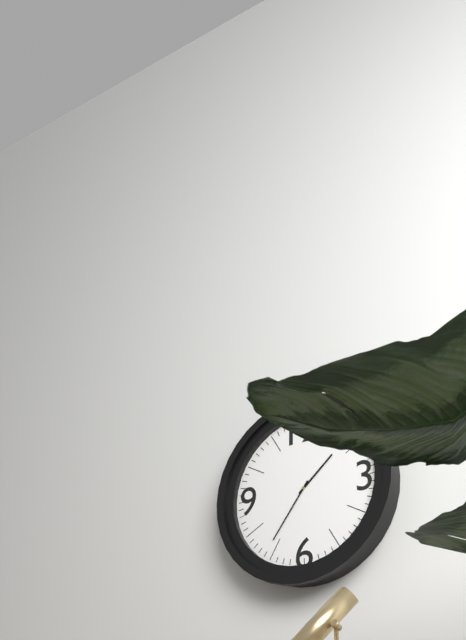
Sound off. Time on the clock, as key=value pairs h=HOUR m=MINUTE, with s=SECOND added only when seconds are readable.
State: h=1 m=36
